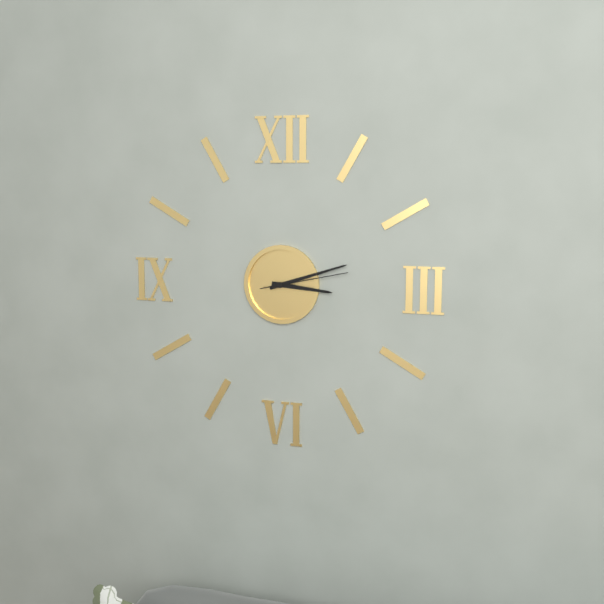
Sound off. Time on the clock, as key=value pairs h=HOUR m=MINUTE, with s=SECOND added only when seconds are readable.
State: h=3 m=12 s=13
